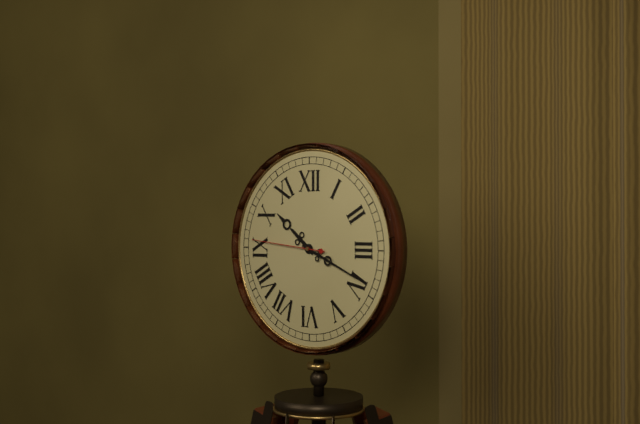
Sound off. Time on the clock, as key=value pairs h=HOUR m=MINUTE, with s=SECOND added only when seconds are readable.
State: h=10 m=19 s=46
